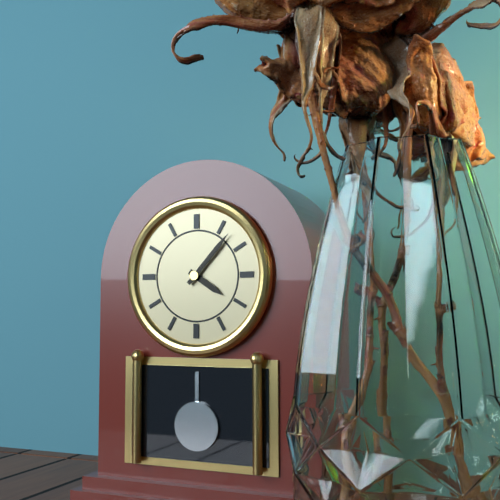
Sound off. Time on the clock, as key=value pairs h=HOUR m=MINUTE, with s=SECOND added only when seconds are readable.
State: h=4 m=7
